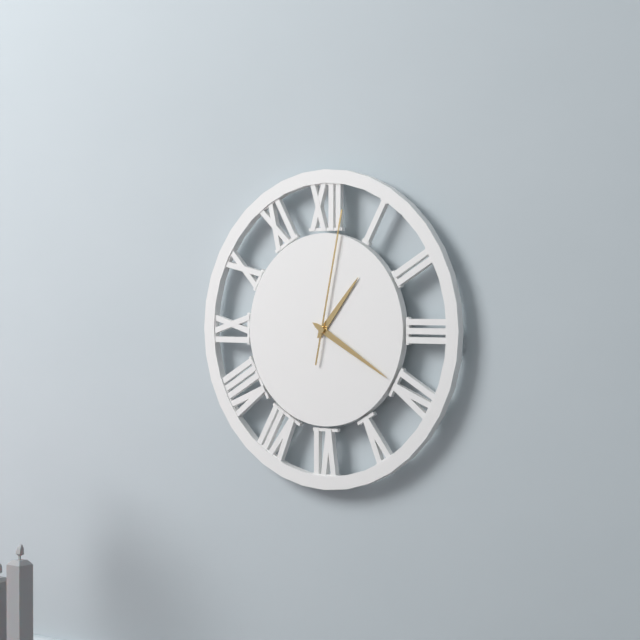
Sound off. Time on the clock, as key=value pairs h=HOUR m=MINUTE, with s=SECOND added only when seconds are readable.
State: h=1 m=20 s=2
